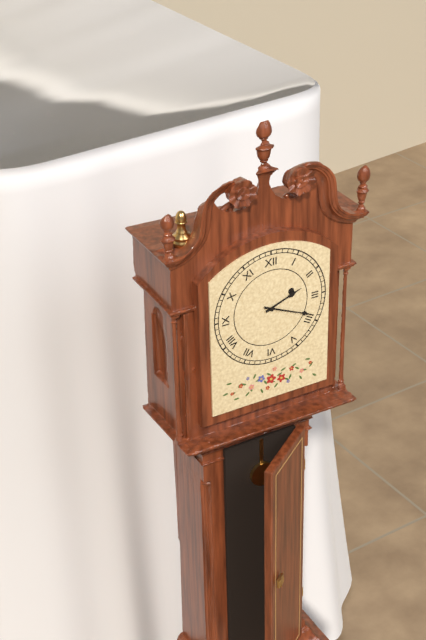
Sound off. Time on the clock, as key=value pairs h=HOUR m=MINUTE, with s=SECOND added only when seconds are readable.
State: h=2 m=19
